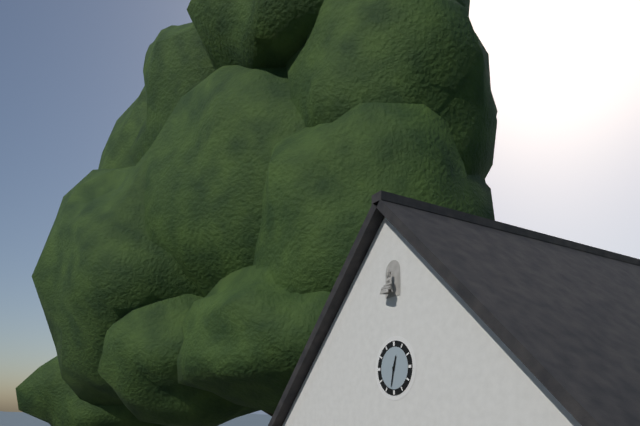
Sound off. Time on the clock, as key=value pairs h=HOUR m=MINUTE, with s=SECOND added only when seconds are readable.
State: h=12 m=32
